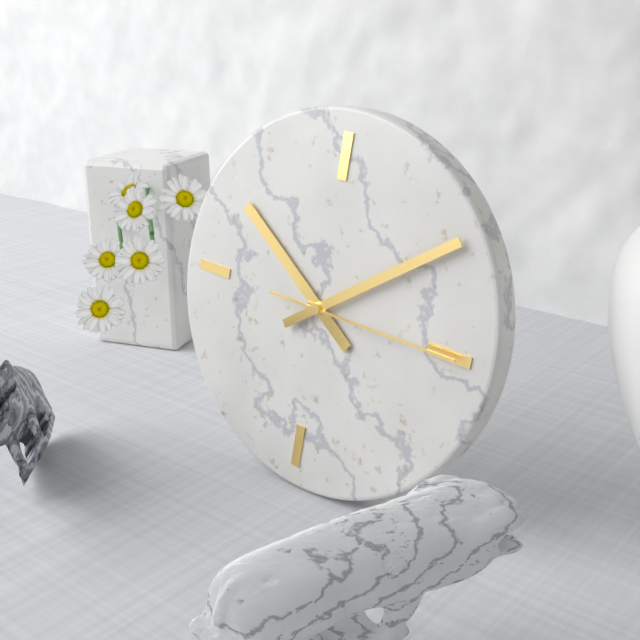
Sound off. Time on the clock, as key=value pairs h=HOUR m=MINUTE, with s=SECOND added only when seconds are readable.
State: h=10 m=9 s=15
